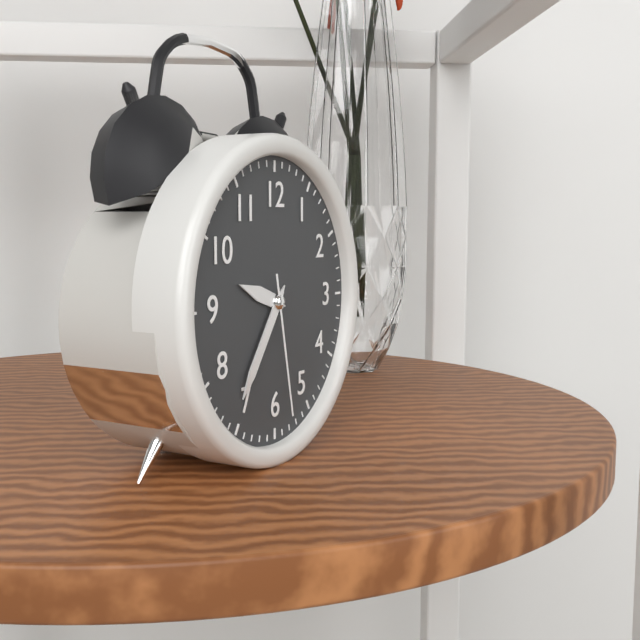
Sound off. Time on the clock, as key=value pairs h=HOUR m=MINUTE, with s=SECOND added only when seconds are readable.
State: h=9 m=36 s=28
